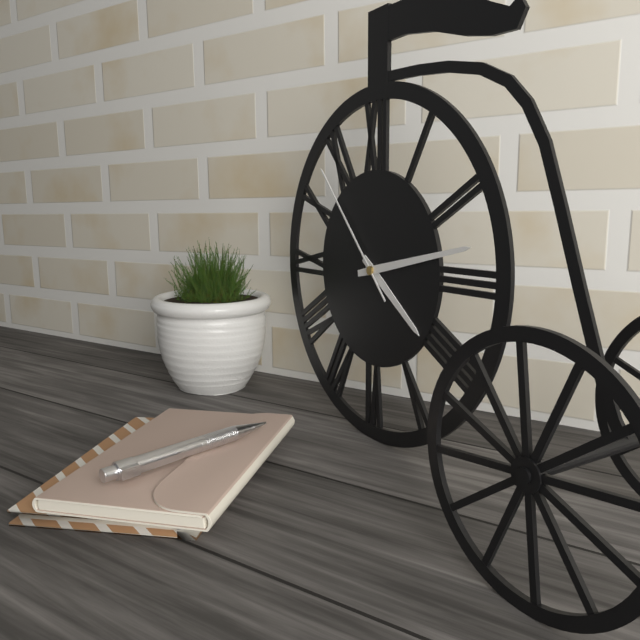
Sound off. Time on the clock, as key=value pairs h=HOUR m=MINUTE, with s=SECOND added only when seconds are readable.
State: h=4 m=13 s=53
